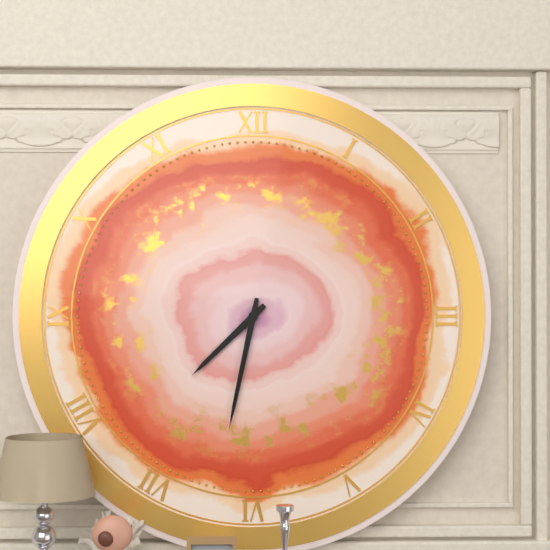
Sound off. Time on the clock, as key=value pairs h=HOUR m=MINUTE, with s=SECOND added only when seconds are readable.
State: h=7 m=32
